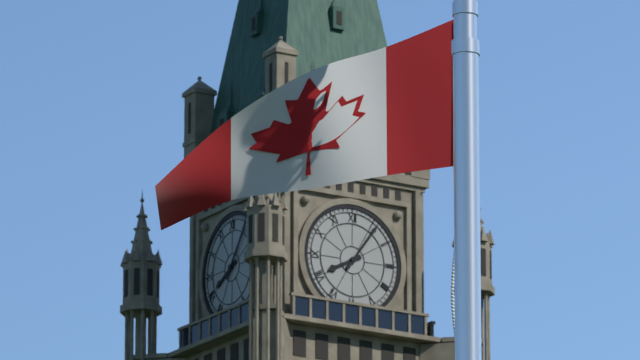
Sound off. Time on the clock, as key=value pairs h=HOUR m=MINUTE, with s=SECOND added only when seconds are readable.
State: h=8 m=6
